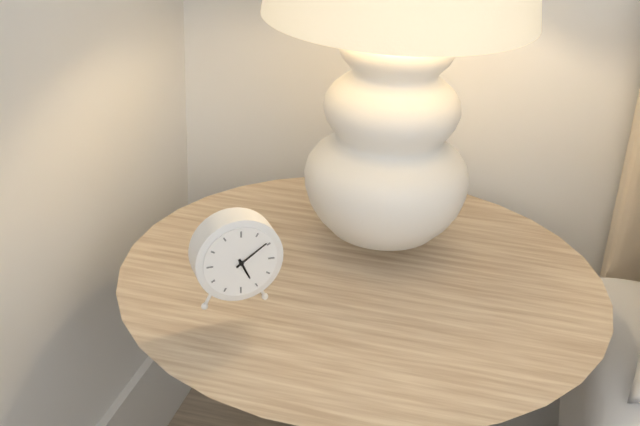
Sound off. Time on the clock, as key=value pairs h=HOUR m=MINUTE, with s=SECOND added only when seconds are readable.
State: h=5 m=9
